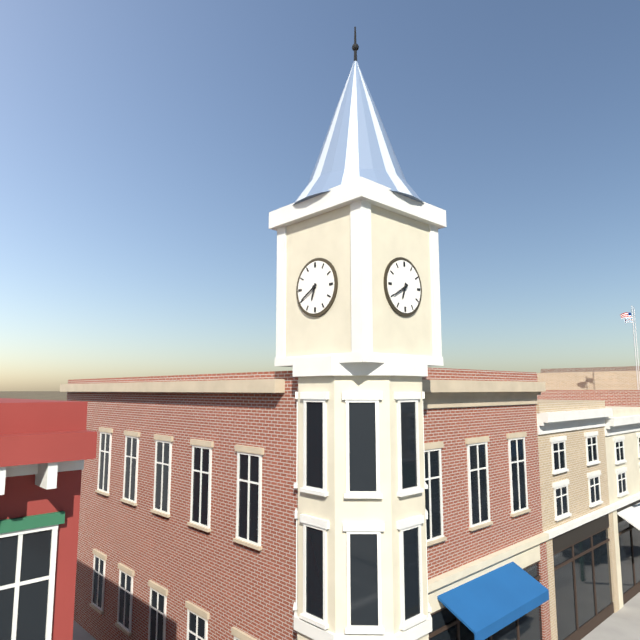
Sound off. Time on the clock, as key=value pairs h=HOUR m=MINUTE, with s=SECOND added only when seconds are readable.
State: h=6 m=40
